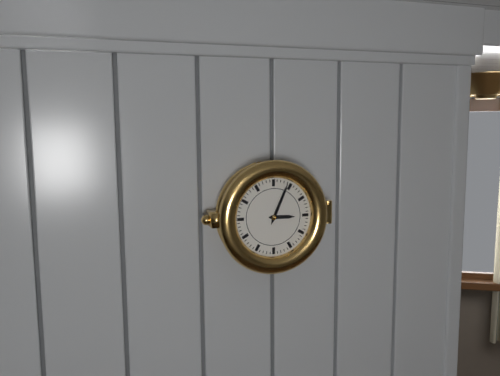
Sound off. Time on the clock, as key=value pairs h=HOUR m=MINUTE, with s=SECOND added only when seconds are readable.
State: h=3 m=4
